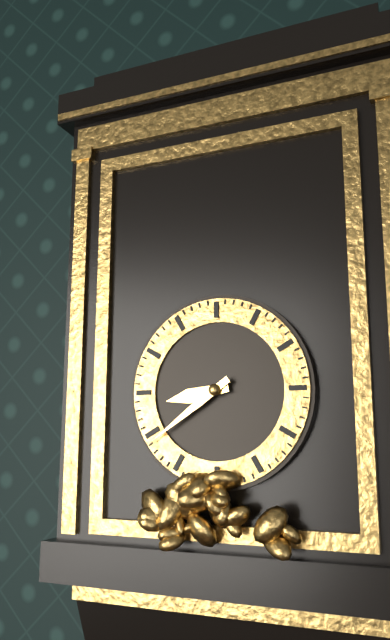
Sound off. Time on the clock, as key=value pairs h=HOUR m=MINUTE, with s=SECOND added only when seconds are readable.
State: h=8 m=39
